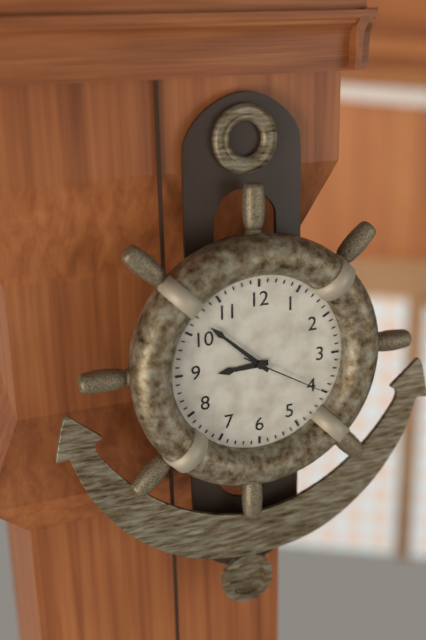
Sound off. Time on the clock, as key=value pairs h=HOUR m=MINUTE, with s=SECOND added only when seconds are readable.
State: h=8 m=52 s=20
